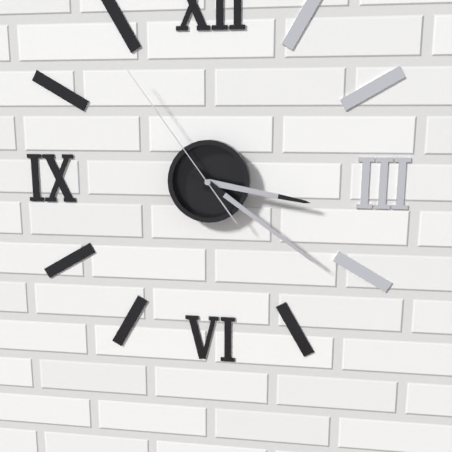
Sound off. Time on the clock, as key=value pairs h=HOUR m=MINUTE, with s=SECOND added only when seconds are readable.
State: h=3 m=21 s=54
